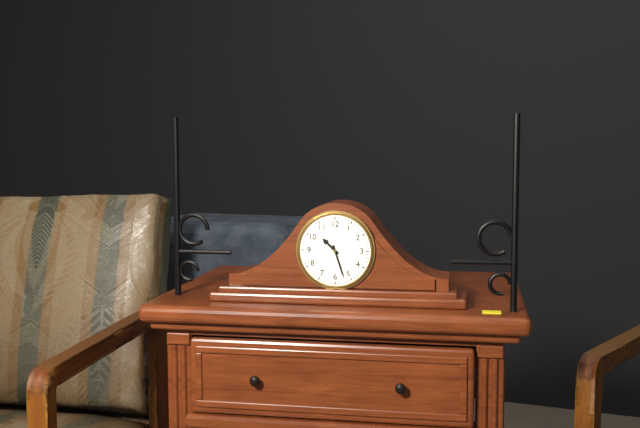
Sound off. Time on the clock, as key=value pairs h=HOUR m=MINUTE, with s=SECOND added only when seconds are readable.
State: h=10 m=27
